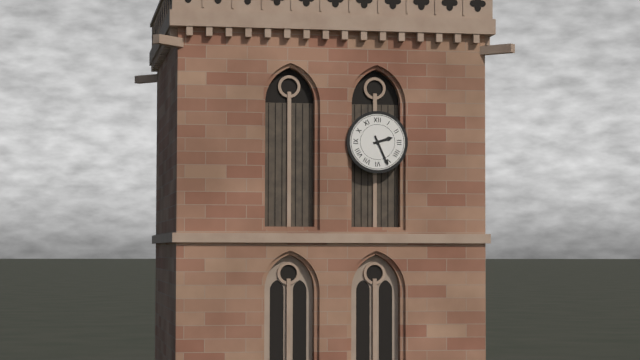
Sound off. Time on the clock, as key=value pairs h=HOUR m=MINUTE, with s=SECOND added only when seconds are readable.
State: h=2 m=26
